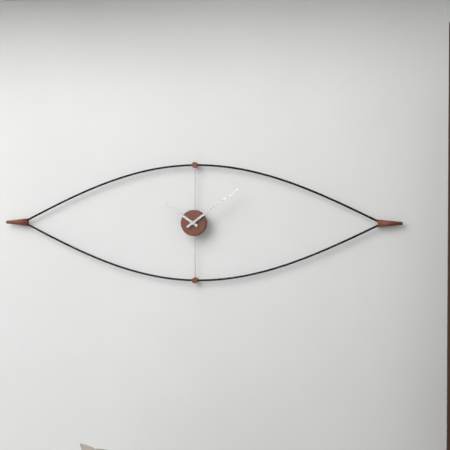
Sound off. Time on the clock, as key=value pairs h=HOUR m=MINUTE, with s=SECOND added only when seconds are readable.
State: h=10 m=9
